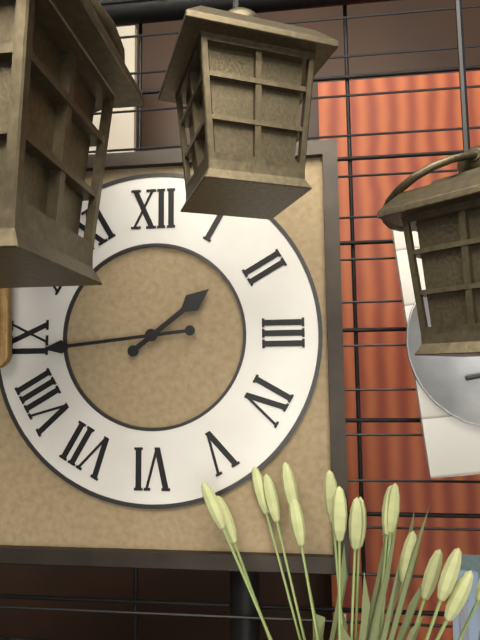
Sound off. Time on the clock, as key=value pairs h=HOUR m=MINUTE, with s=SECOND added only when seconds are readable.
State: h=1 m=44
